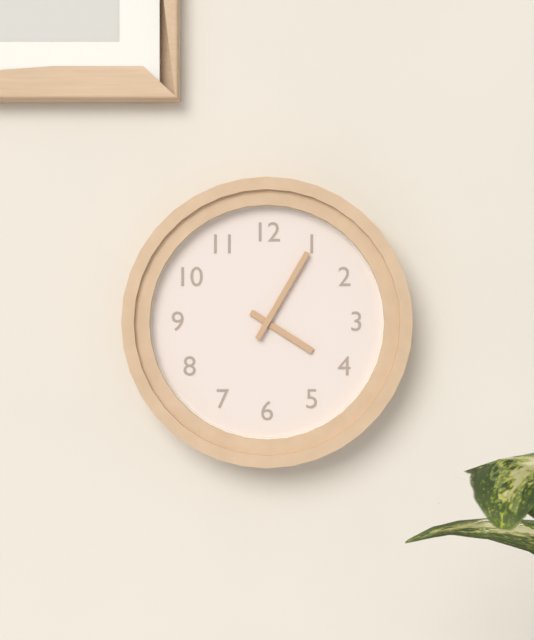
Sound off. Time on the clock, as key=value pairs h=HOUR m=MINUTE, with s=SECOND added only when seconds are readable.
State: h=4 m=5
